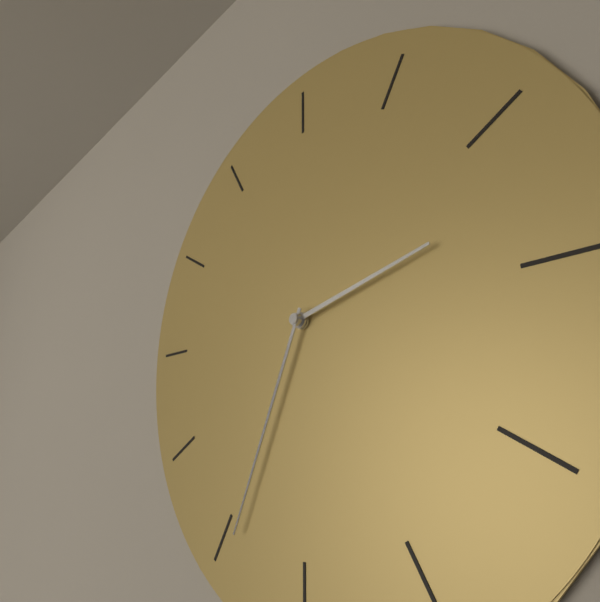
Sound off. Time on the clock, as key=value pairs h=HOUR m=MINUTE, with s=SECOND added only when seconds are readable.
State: h=2 m=34
